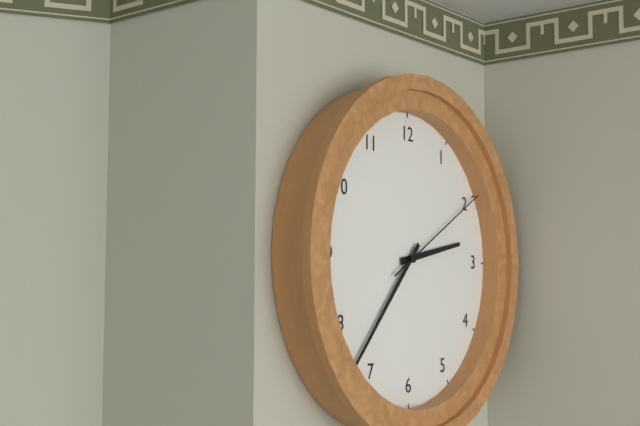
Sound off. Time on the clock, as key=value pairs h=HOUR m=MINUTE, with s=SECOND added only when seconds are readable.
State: h=2 m=37 s=10
